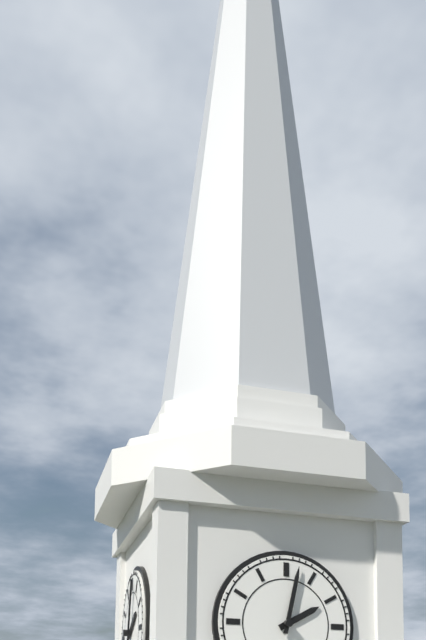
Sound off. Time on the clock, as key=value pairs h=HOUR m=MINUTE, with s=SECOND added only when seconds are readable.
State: h=2 m=2
